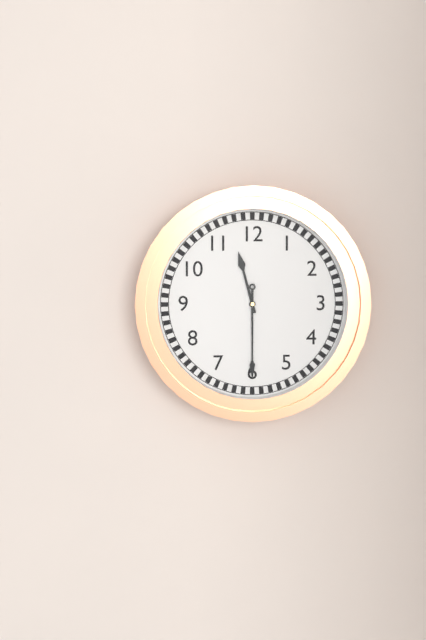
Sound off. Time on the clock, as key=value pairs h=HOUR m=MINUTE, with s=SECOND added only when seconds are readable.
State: h=11 m=30
